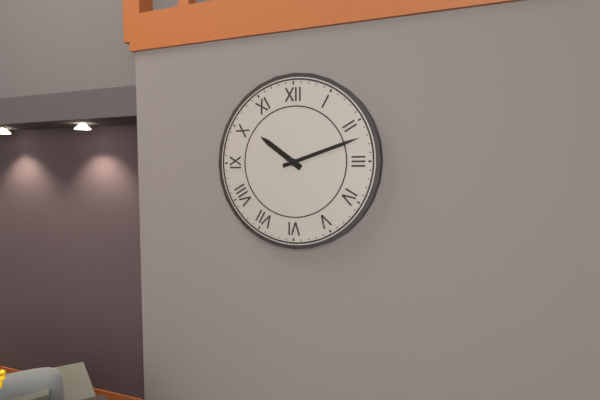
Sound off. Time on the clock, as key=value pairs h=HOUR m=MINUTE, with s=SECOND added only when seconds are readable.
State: h=10 m=12
